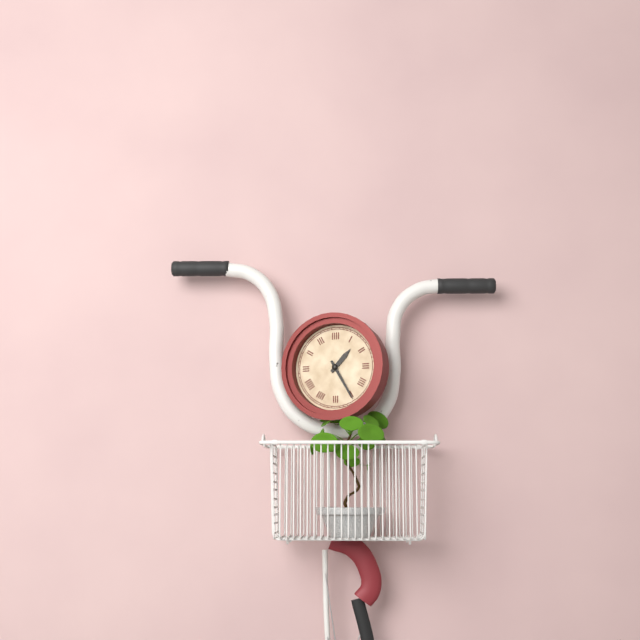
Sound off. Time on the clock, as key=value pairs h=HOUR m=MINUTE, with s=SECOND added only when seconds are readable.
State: h=1 m=25
